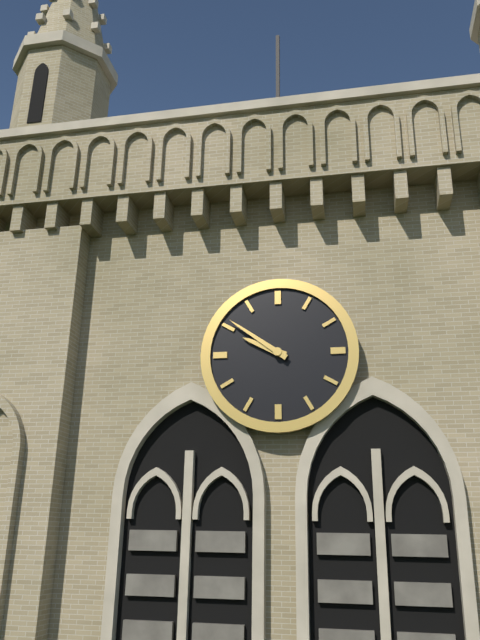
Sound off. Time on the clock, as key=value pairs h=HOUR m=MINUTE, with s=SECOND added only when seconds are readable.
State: h=9 m=51
